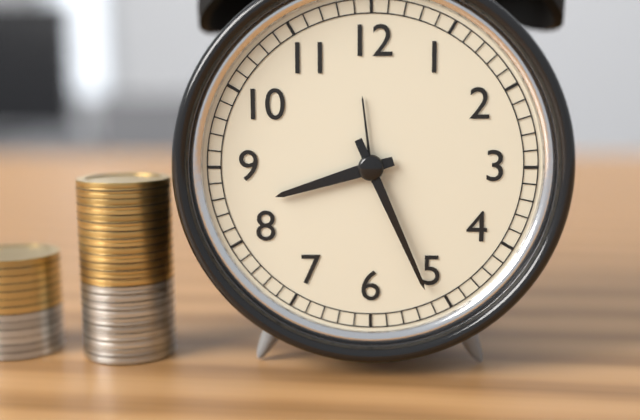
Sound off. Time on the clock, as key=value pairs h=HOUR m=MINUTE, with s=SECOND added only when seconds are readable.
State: h=8 m=26
